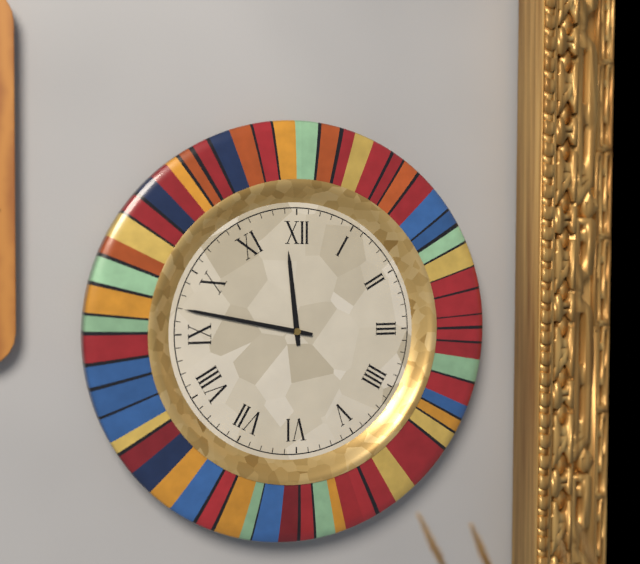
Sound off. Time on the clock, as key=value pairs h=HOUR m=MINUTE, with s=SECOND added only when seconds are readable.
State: h=11 m=47
